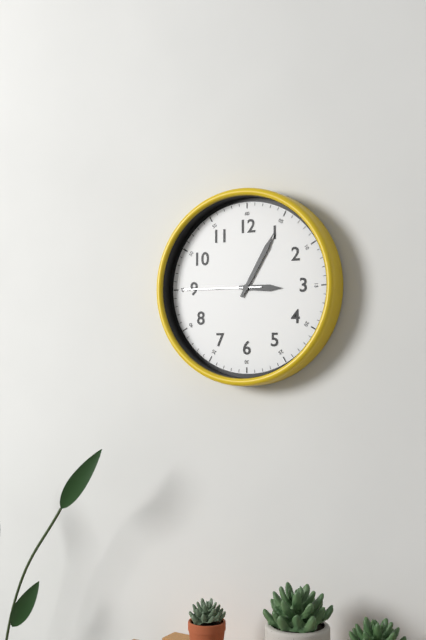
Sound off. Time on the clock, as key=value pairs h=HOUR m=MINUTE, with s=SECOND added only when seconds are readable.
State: h=3 m=5 s=45
